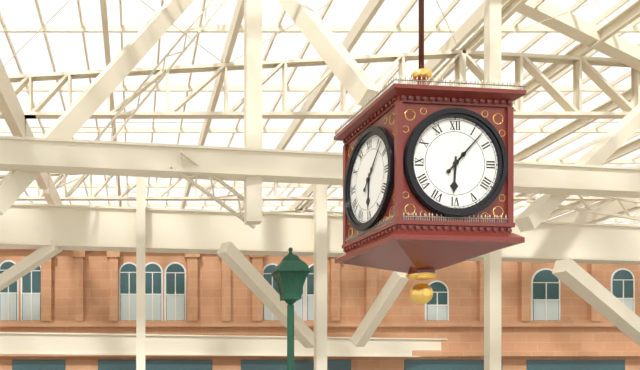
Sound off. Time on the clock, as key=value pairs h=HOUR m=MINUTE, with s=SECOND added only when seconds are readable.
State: h=6 m=7
